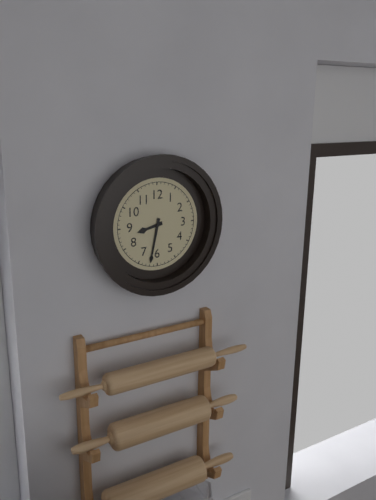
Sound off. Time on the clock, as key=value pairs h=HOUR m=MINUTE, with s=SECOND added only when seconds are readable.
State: h=8 m=32
